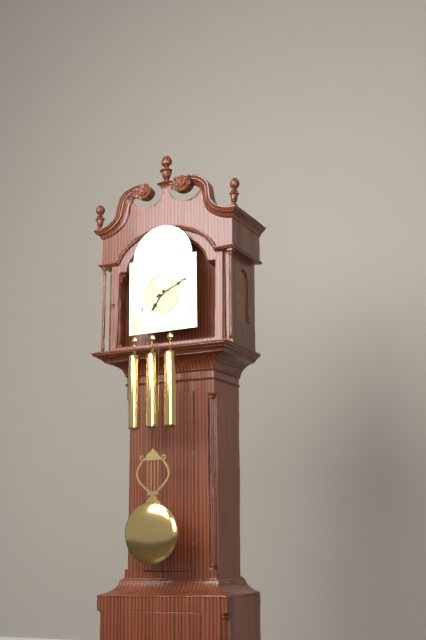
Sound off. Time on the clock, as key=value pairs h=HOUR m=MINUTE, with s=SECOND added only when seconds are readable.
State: h=7 m=11
